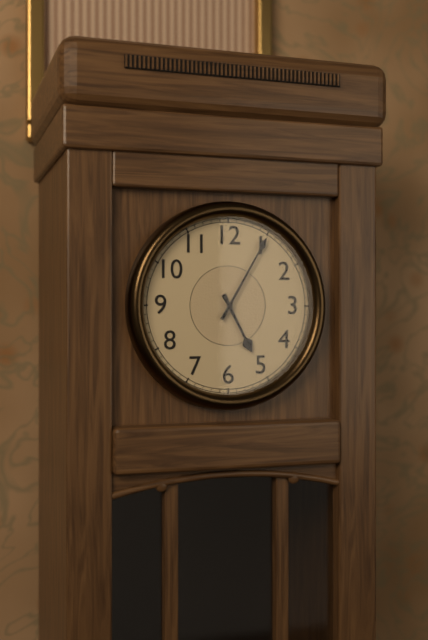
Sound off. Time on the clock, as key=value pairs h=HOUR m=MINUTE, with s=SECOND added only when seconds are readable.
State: h=5 m=5
